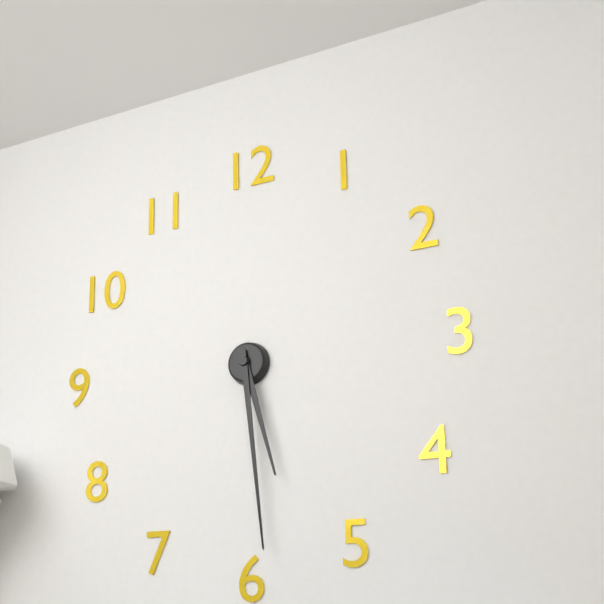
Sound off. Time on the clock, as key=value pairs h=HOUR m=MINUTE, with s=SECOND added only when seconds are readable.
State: h=5 m=29
